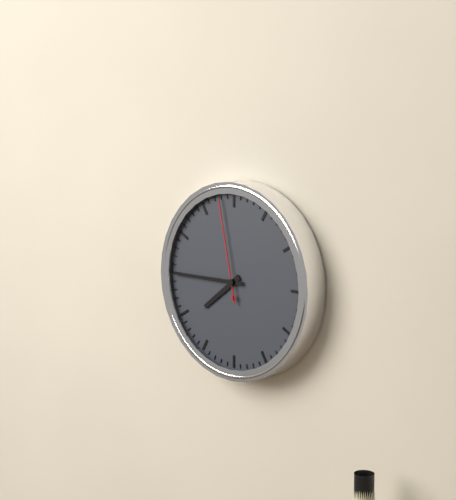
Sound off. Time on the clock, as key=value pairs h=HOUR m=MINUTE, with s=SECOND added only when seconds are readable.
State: h=7 m=45 s=58
